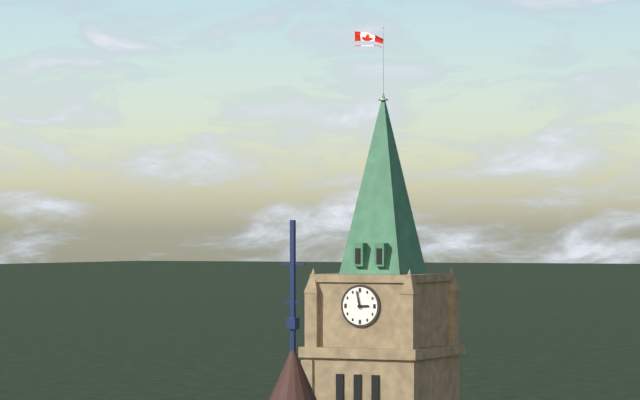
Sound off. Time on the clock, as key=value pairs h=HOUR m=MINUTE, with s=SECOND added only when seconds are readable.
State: h=2 m=58
